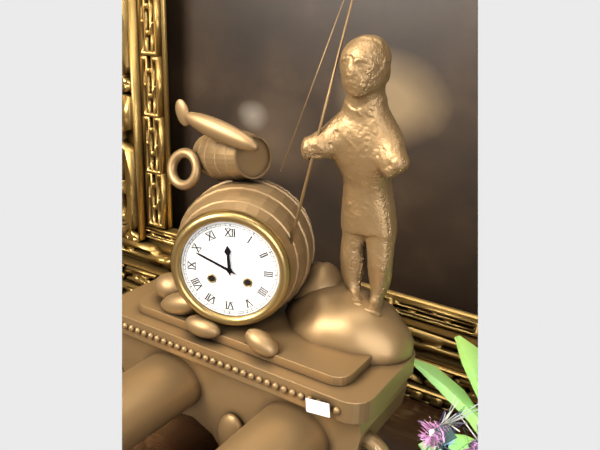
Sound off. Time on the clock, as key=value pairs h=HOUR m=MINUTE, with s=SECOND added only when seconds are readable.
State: h=11 m=49
